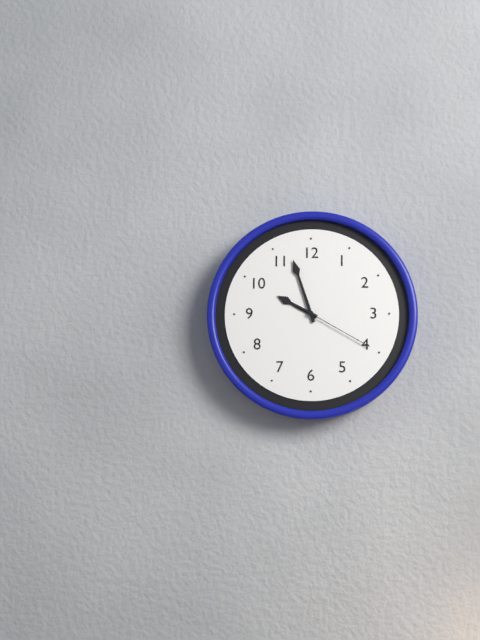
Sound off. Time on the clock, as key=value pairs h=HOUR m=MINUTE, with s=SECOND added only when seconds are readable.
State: h=9 m=57 s=20
